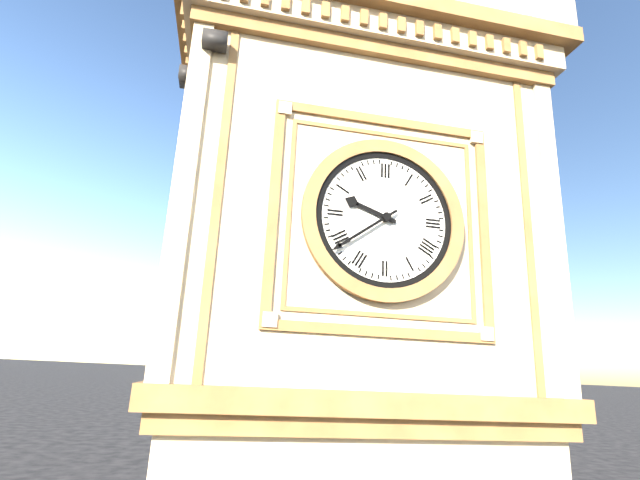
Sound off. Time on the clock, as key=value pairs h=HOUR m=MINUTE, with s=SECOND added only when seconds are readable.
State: h=9 m=39
